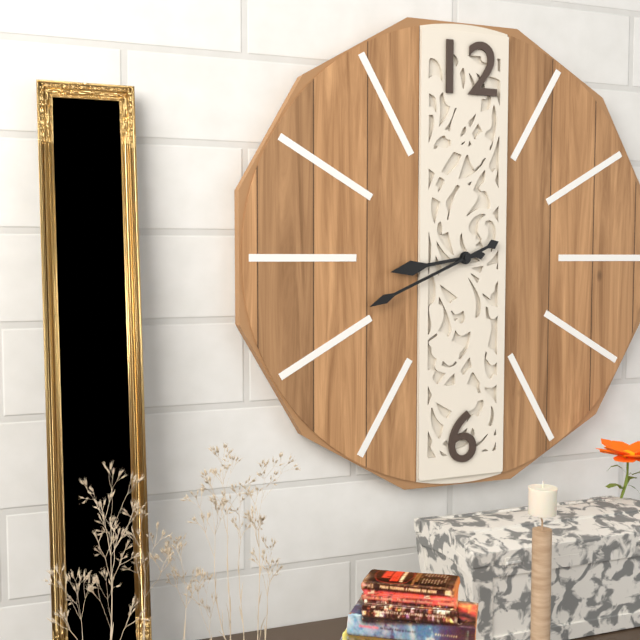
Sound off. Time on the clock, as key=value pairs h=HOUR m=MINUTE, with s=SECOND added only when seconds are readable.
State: h=8 m=41
